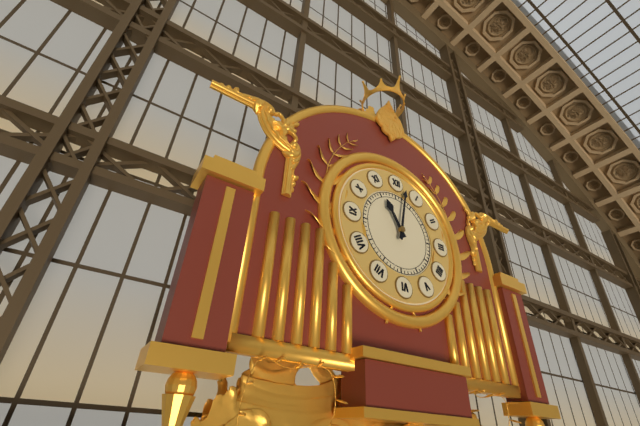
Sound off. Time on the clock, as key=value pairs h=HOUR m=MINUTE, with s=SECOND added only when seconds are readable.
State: h=11 m=2
